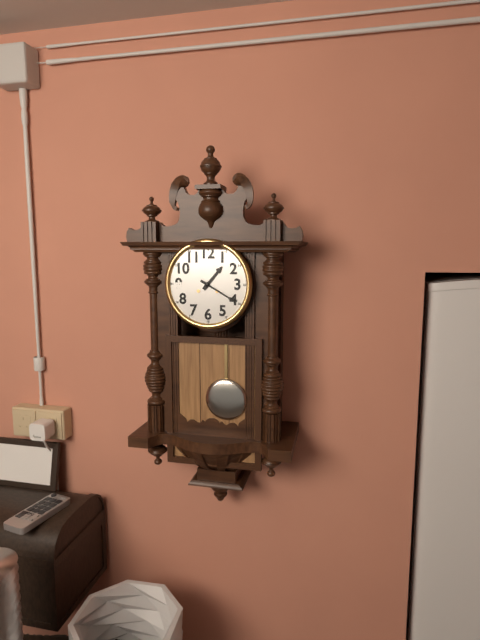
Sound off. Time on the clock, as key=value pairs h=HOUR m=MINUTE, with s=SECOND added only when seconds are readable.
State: h=1 m=20
